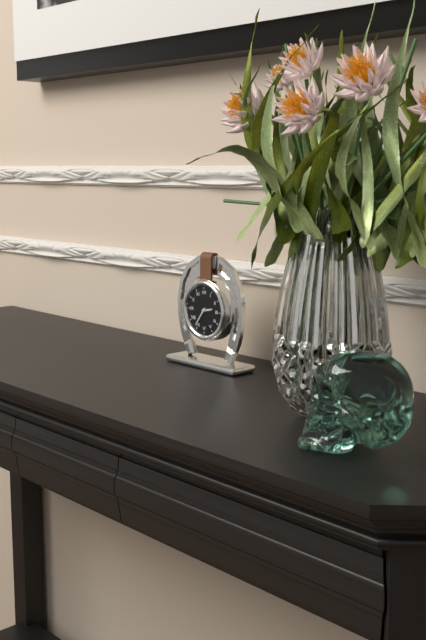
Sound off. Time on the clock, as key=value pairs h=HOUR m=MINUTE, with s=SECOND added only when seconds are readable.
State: h=2 m=36
